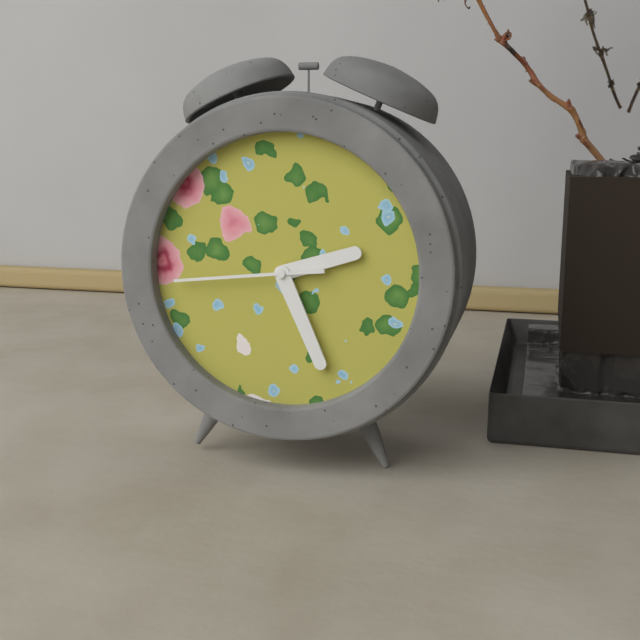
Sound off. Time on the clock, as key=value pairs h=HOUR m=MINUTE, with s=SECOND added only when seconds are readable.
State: h=2 m=26 s=44
